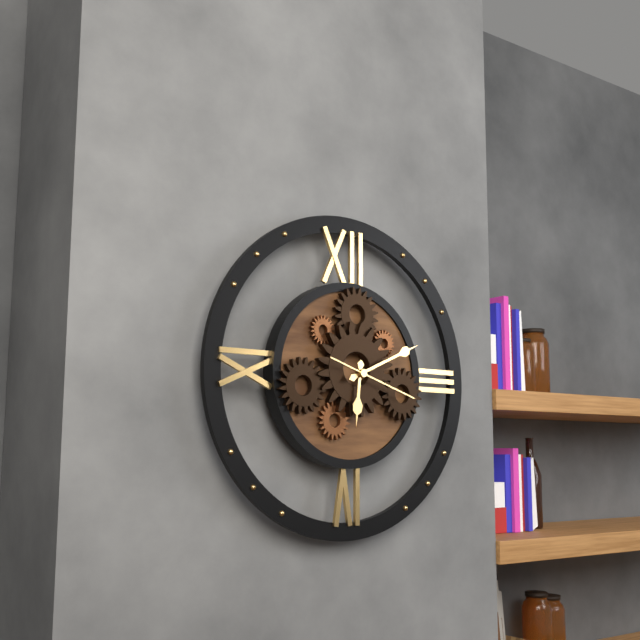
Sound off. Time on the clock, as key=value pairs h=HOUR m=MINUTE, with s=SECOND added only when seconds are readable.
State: h=6 m=11 s=18
